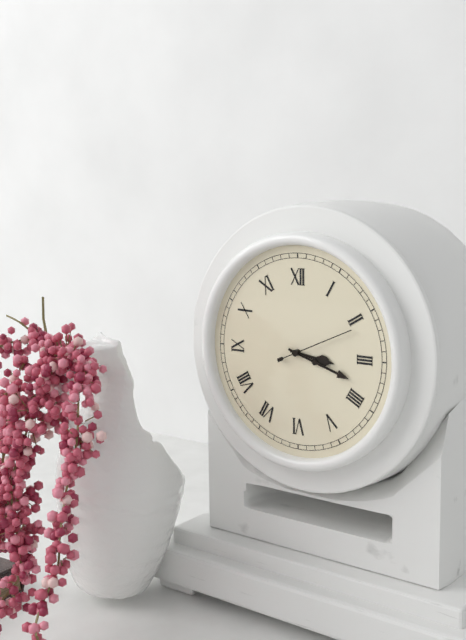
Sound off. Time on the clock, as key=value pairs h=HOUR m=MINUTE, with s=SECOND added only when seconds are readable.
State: h=3 m=18 s=11
